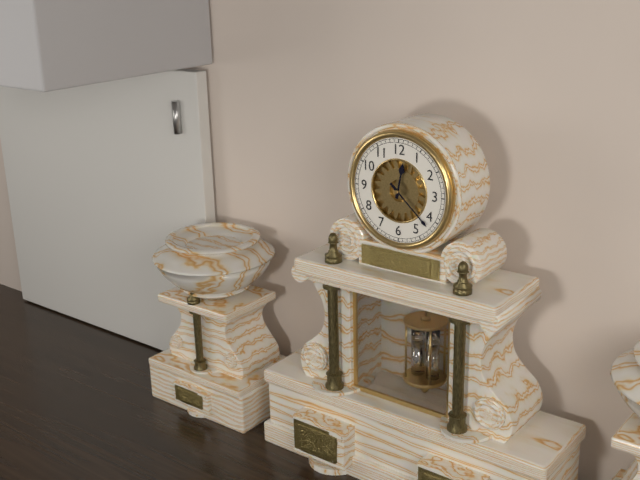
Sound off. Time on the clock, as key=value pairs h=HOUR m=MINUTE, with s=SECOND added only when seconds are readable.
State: h=12 m=22
